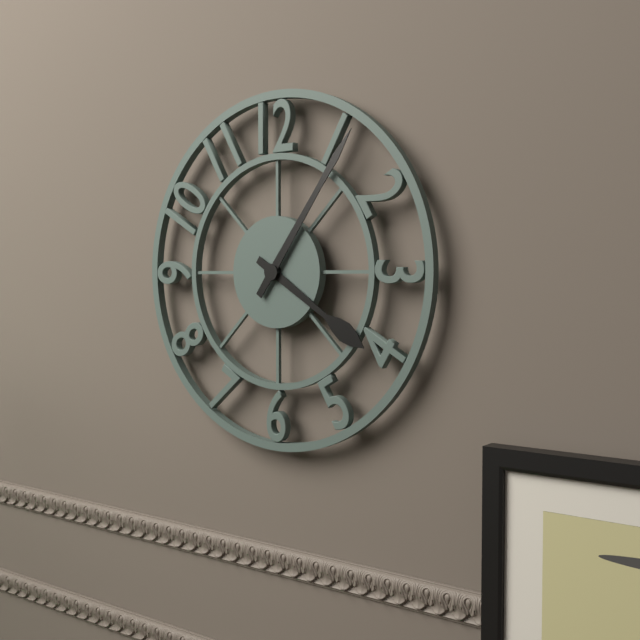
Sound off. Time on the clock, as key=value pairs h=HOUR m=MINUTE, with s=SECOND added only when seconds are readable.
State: h=4 m=6
